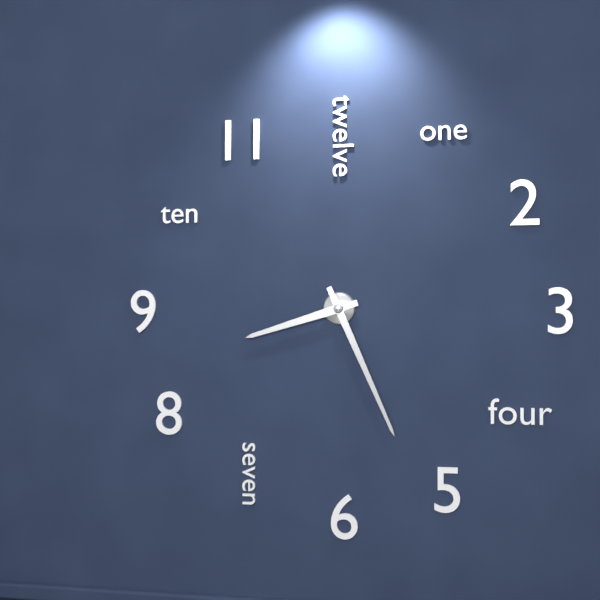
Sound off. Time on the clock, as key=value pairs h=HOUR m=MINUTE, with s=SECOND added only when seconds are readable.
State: h=8 m=26
